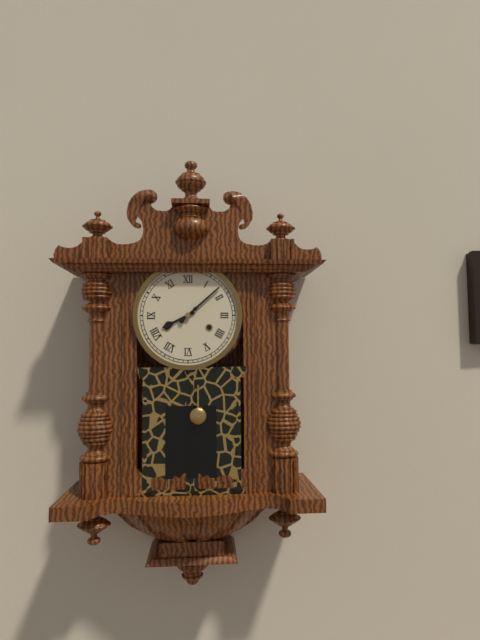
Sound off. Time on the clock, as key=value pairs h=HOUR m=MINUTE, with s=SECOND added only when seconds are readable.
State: h=8 m=8
